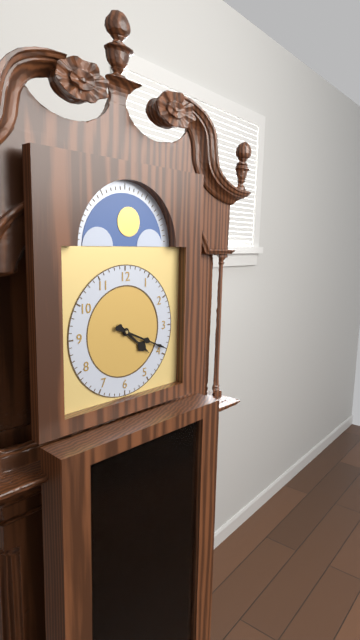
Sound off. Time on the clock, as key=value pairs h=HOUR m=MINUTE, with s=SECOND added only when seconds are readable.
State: h=4 m=19
